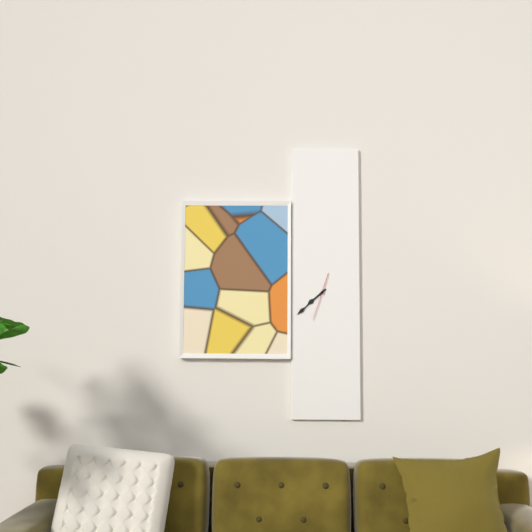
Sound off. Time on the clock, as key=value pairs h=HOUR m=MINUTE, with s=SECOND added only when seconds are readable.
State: h=7 m=38
